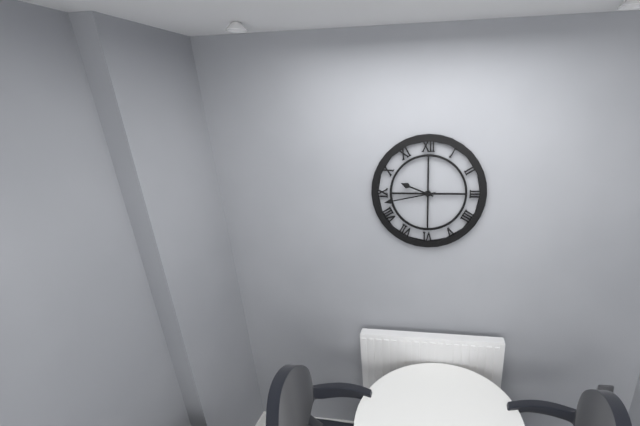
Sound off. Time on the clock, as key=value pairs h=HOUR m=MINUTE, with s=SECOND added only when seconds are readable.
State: h=9 m=43
